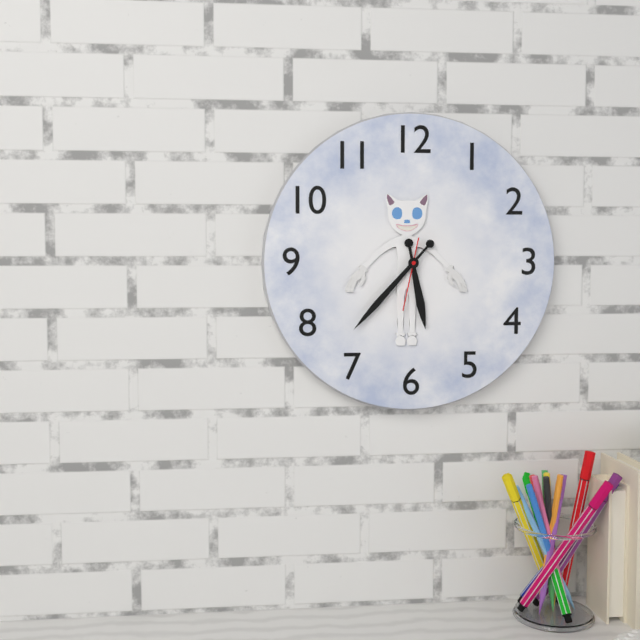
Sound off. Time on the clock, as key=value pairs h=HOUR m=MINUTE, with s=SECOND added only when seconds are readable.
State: h=5 m=37 s=32
